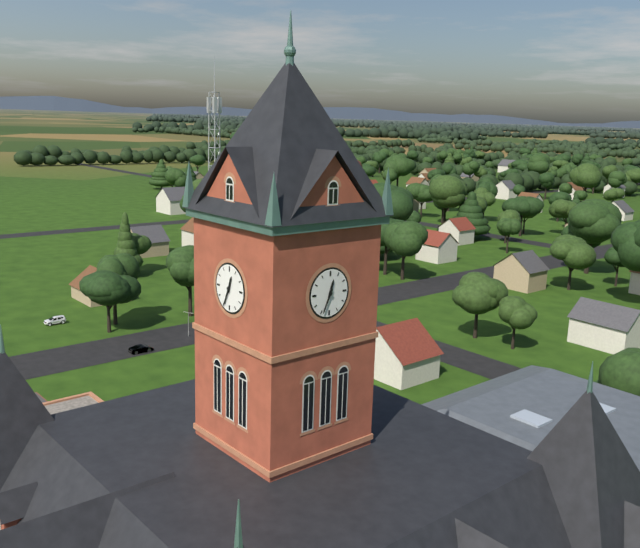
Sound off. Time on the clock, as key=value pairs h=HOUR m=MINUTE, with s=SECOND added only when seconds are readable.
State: h=12 m=34
